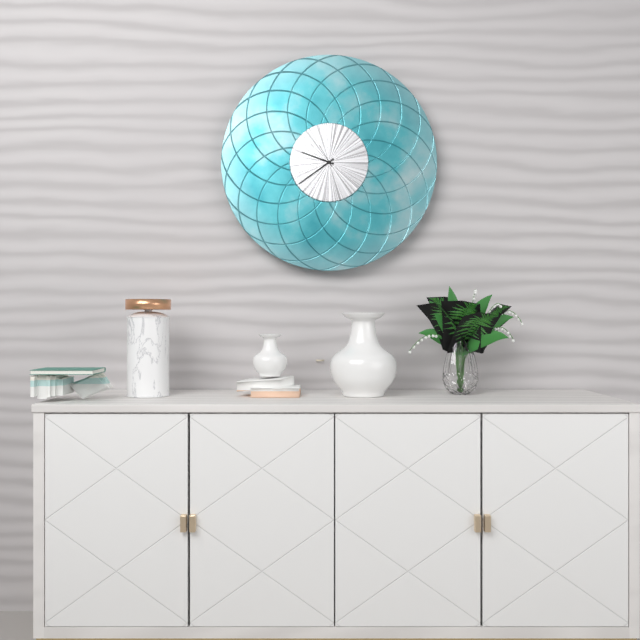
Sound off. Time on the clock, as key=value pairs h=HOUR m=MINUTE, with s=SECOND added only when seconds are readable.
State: h=9 m=39
